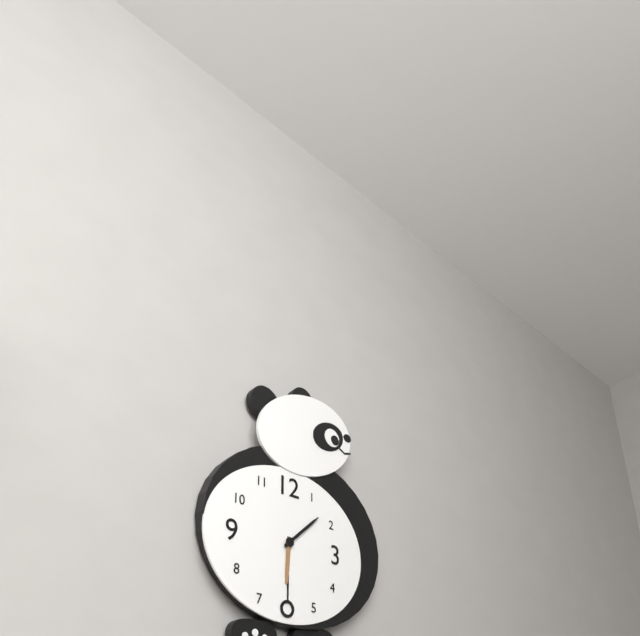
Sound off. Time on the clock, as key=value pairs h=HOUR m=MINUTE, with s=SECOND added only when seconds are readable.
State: h=6 m=8
